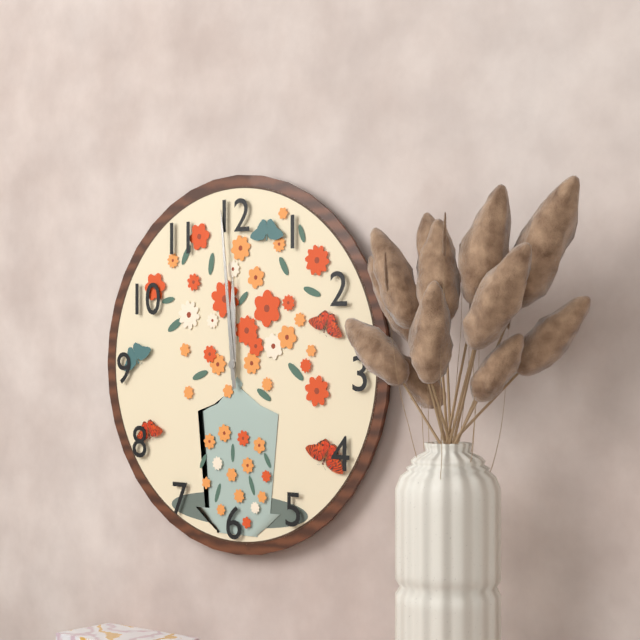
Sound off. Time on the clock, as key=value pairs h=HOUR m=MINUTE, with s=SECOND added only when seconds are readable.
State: h=11 m=59
